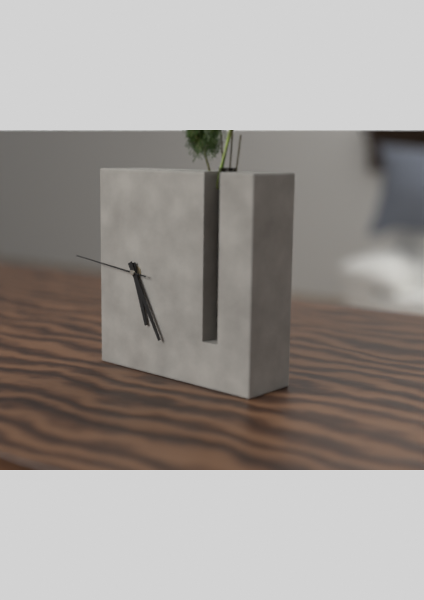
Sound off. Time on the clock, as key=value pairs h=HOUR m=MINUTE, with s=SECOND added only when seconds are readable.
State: h=5 m=25 s=46
